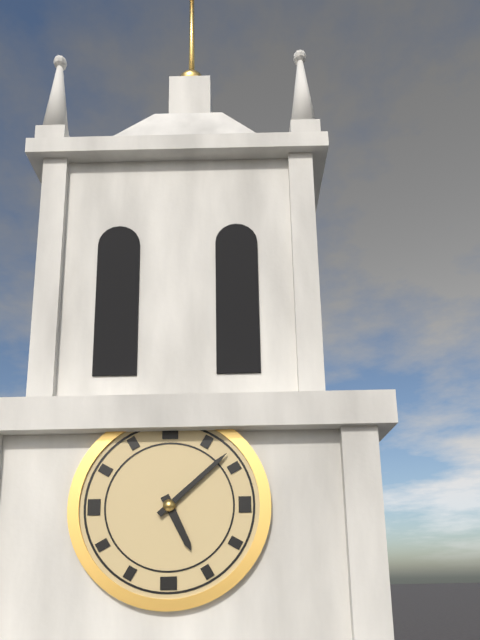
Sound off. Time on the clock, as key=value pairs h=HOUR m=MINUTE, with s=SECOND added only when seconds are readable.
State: h=5 m=8
